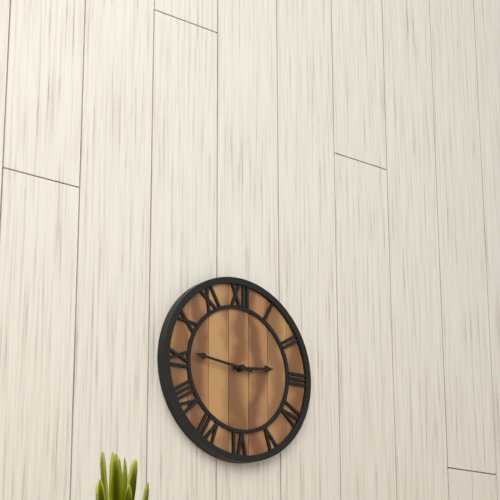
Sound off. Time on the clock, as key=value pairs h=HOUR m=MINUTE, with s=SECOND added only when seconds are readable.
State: h=2 m=46
